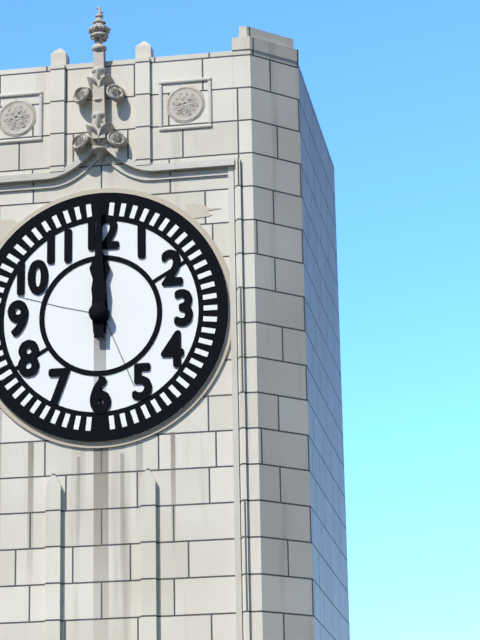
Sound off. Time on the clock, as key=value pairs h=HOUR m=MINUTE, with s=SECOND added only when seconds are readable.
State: h=12 m=0
